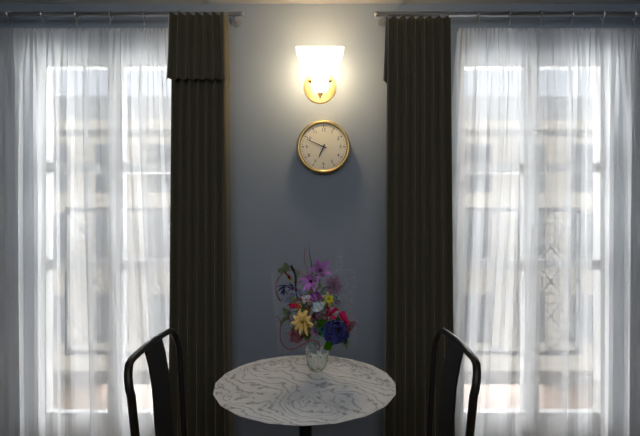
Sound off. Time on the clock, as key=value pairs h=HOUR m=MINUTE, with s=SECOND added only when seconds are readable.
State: h=6 m=49
